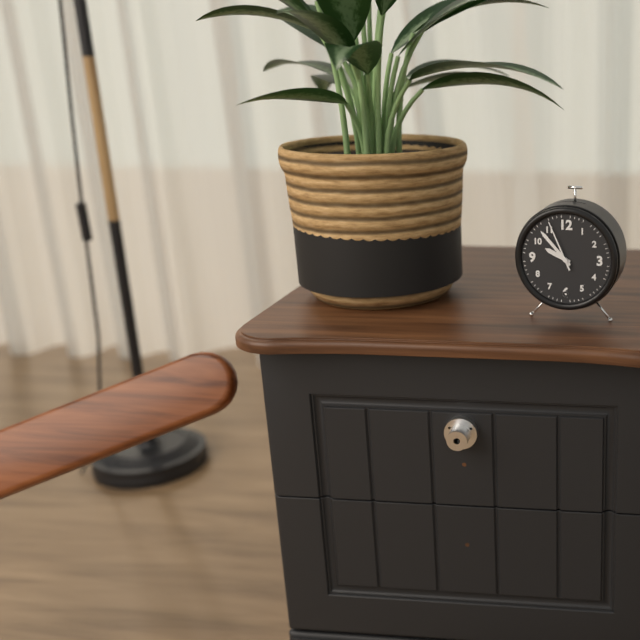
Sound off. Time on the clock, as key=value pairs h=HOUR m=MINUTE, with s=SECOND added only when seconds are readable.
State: h=9 m=53 s=56
